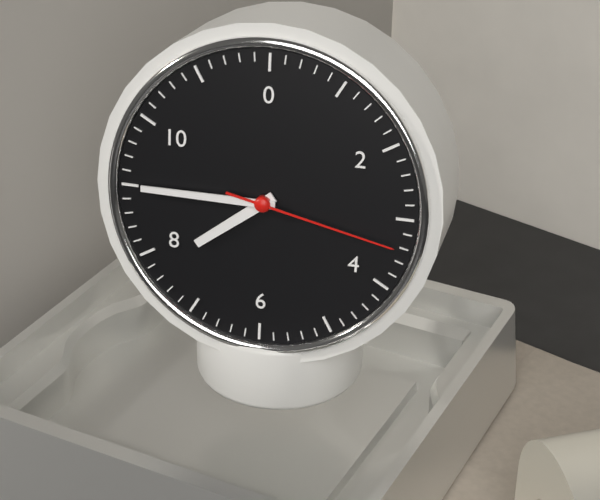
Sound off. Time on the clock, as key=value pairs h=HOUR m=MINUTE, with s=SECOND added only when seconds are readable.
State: h=7 m=45 s=17
